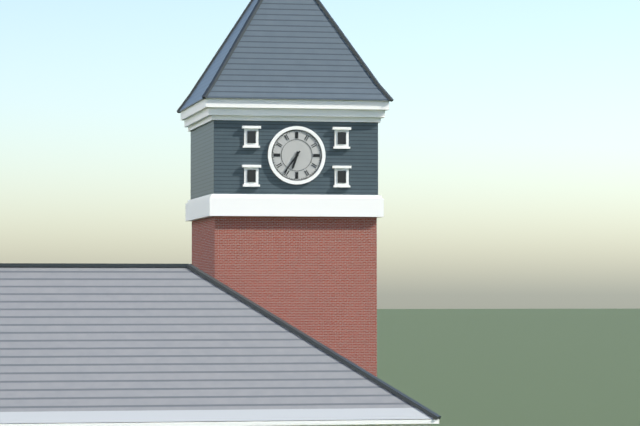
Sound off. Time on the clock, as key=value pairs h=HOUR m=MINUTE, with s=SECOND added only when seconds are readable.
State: h=6 m=36
